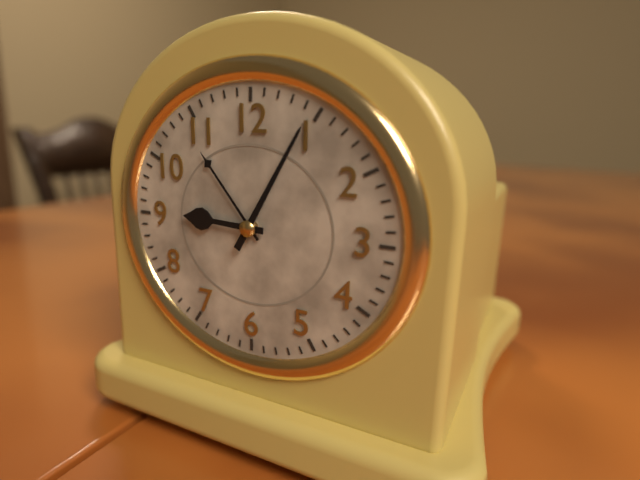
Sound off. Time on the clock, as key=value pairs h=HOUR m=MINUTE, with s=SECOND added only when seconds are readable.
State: h=9 m=5
